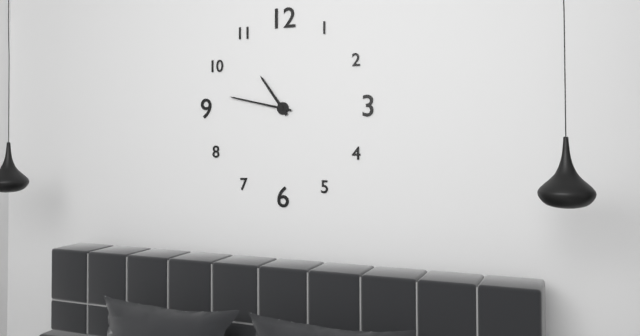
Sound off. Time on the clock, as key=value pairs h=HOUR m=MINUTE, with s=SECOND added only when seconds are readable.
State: h=10 m=47
